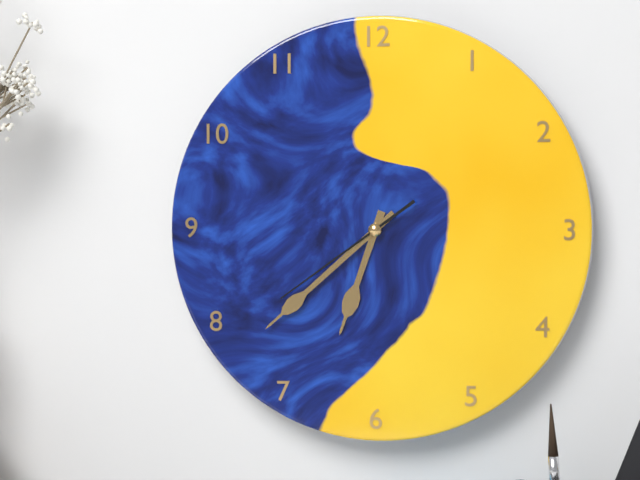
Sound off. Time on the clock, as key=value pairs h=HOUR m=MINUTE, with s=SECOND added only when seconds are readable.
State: h=6 m=38 s=39
